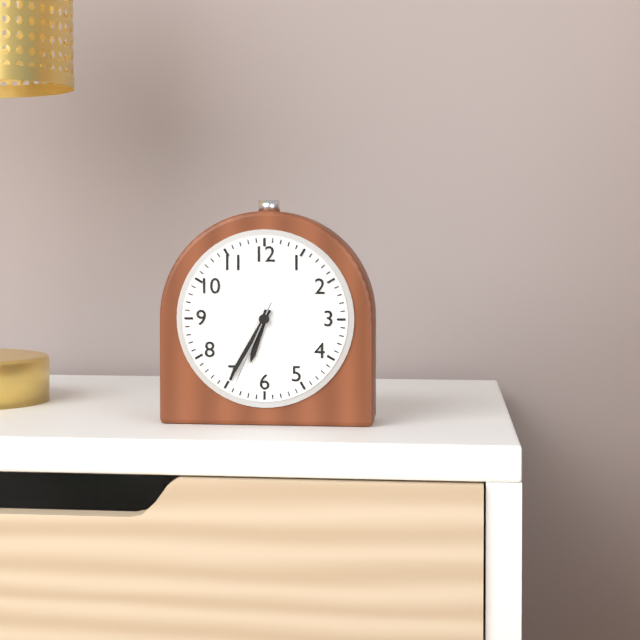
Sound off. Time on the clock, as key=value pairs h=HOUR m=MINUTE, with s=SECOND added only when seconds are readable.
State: h=6 m=35 s=34
